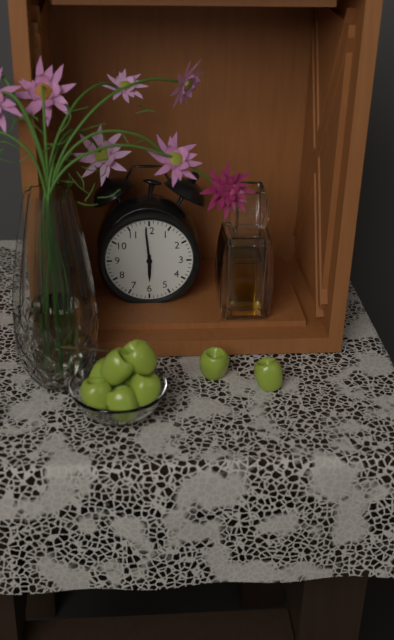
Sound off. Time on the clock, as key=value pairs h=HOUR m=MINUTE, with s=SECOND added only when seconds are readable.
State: h=5 m=59
